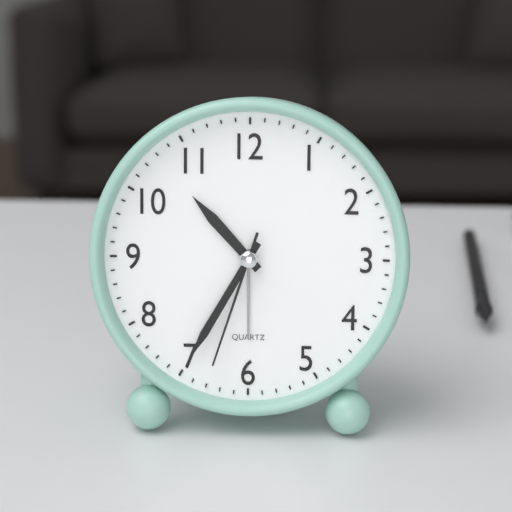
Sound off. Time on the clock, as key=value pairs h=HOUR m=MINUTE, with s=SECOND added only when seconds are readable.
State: h=10 m=35 s=33
